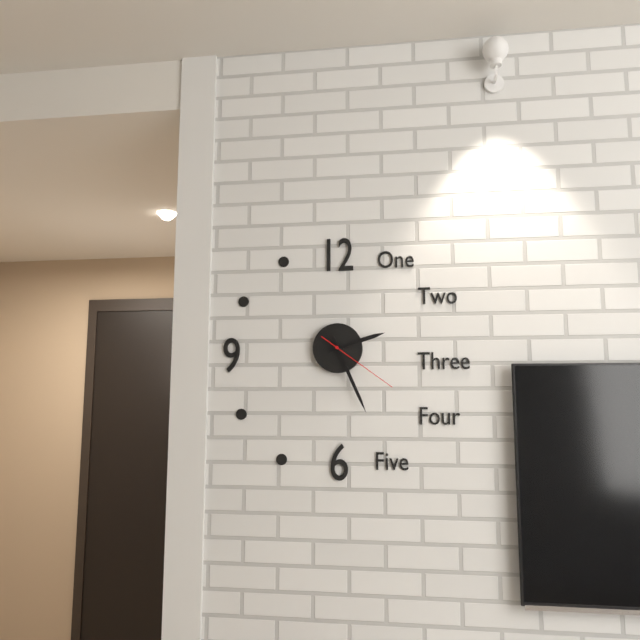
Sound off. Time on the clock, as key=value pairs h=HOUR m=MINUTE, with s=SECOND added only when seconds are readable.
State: h=2 m=26 s=21
